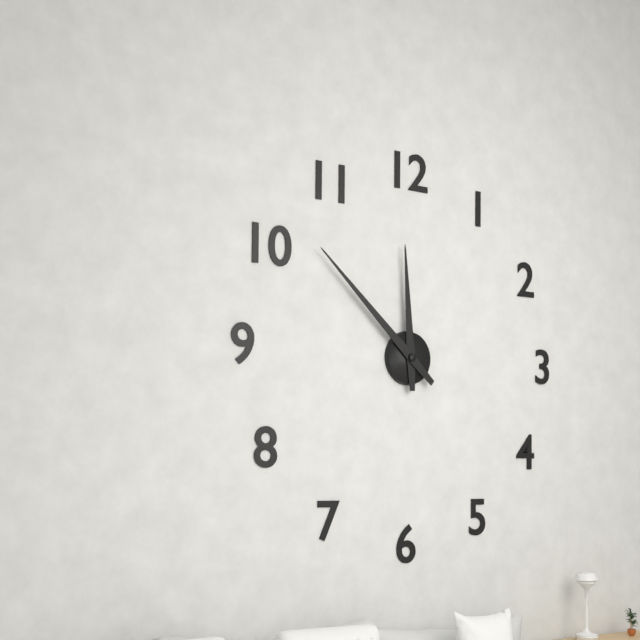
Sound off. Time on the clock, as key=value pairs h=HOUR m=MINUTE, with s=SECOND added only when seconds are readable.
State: h=11 m=52
